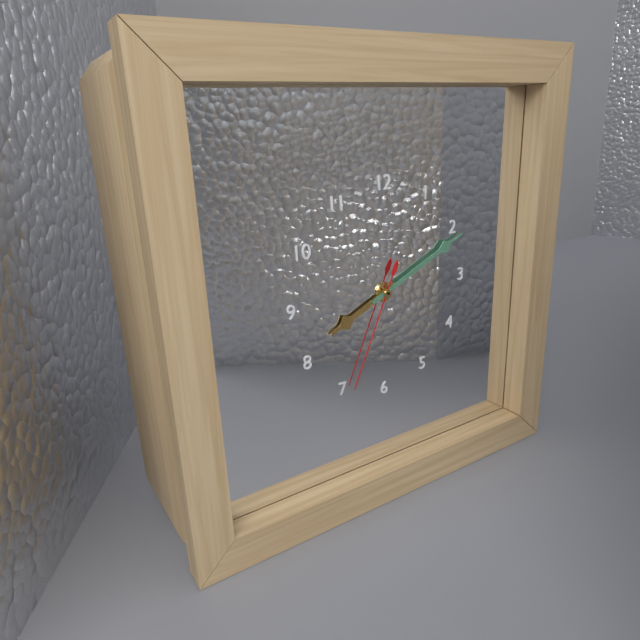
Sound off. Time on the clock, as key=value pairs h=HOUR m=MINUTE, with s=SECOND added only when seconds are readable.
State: h=8 m=11 s=34
